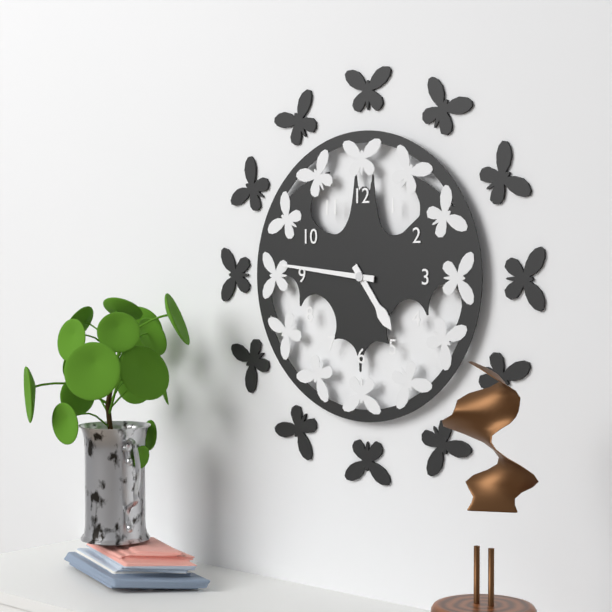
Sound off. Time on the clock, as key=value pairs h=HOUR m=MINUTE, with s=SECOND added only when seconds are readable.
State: h=4 m=46
